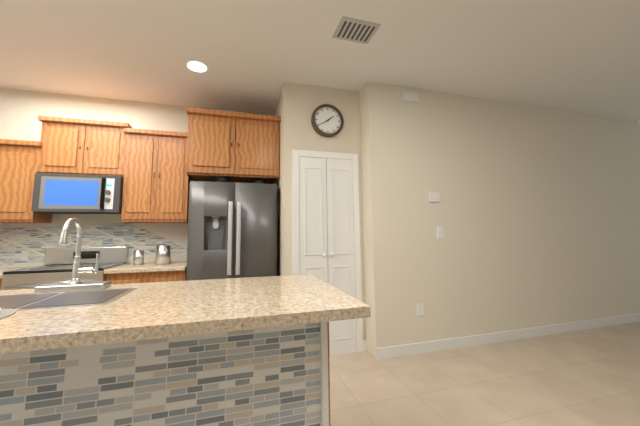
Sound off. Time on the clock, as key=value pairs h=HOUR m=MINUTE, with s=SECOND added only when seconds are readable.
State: h=1 m=40
